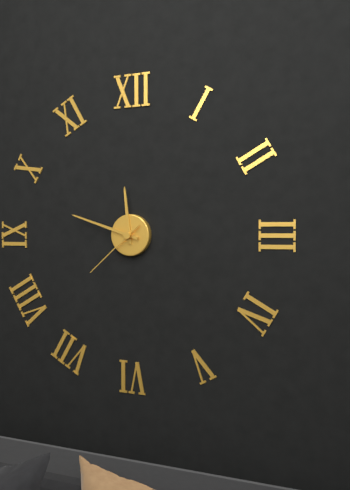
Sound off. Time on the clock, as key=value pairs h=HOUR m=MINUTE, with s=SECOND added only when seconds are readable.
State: h=11 m=48 s=38
